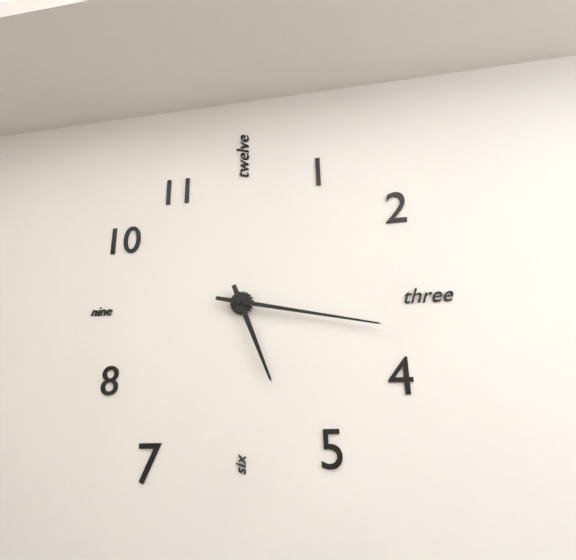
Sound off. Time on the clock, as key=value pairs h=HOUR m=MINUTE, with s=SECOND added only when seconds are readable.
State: h=5 m=17
